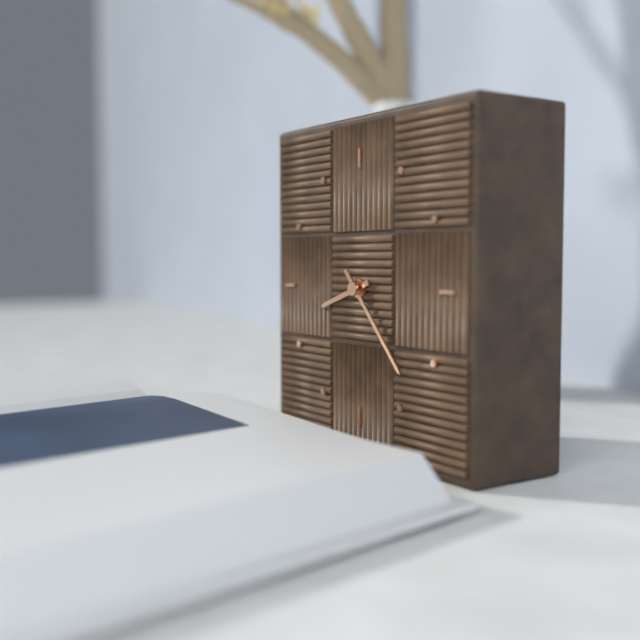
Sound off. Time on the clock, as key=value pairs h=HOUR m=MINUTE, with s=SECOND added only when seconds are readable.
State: h=8 m=23
